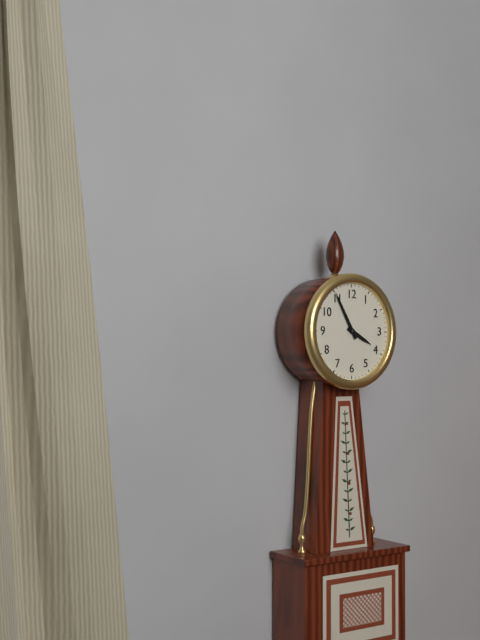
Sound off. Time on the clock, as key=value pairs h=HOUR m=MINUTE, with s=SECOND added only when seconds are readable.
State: h=3 m=55
